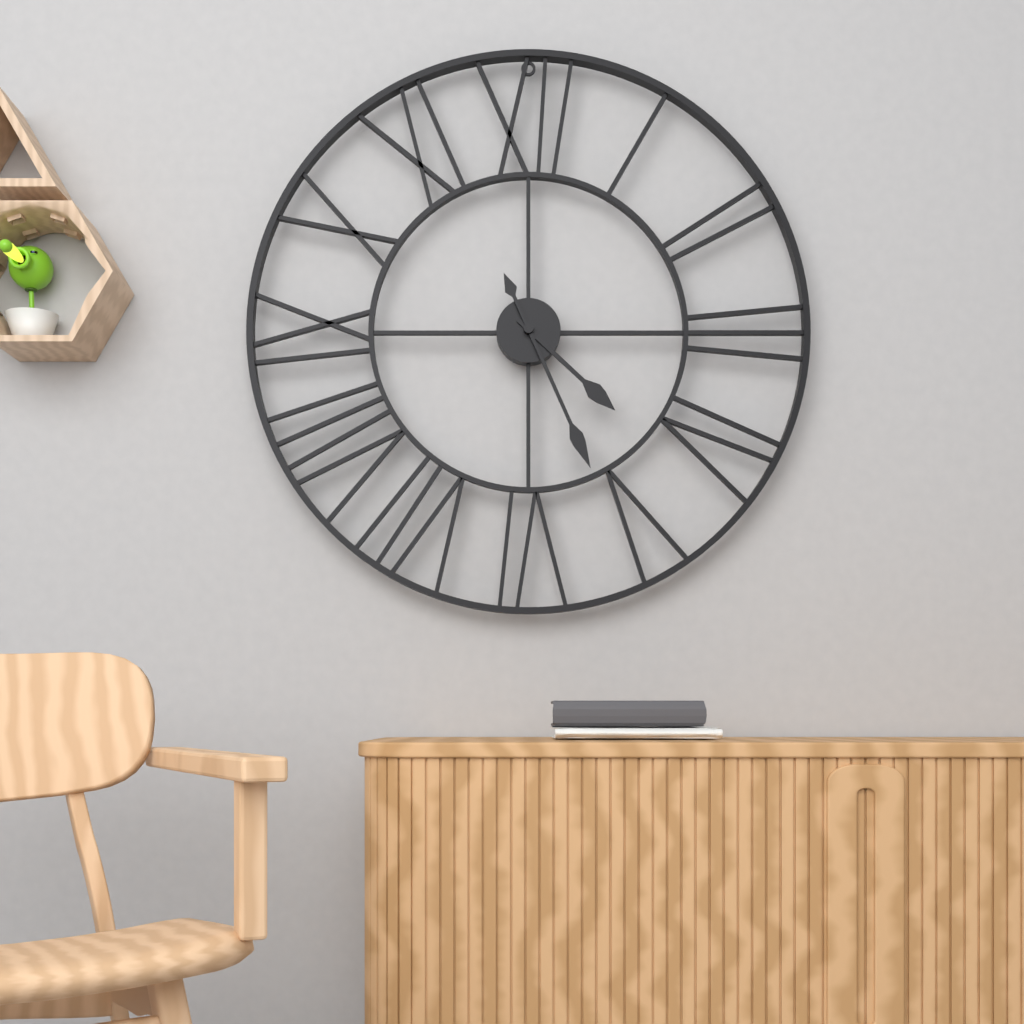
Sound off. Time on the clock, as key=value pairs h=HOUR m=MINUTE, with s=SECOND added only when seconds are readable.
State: h=4 m=26
